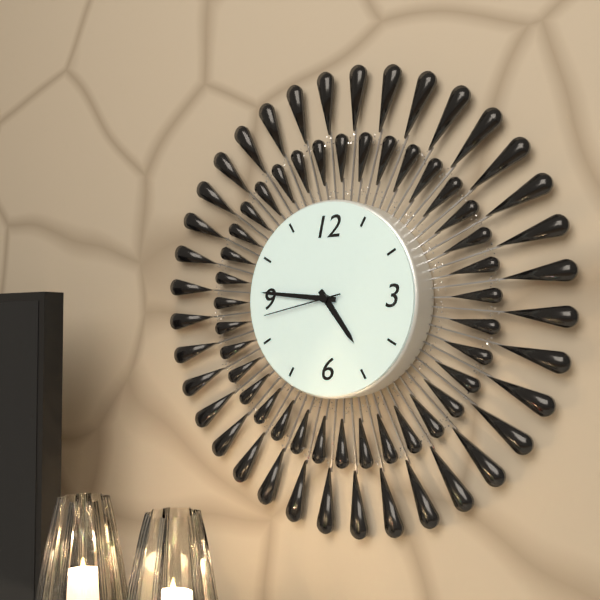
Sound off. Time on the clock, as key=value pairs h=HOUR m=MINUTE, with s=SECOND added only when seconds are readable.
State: h=4 m=46 s=43
